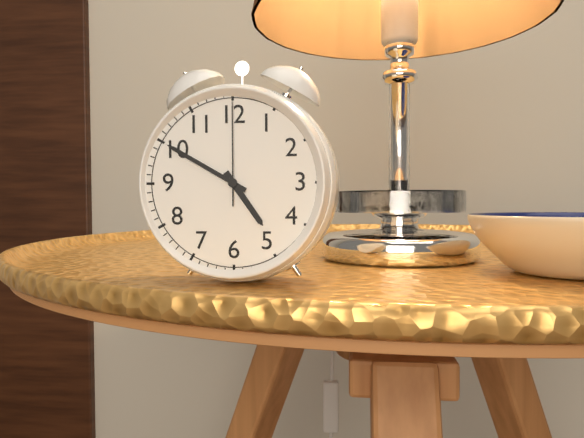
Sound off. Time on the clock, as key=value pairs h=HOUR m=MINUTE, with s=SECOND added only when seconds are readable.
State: h=4 m=50 s=0
